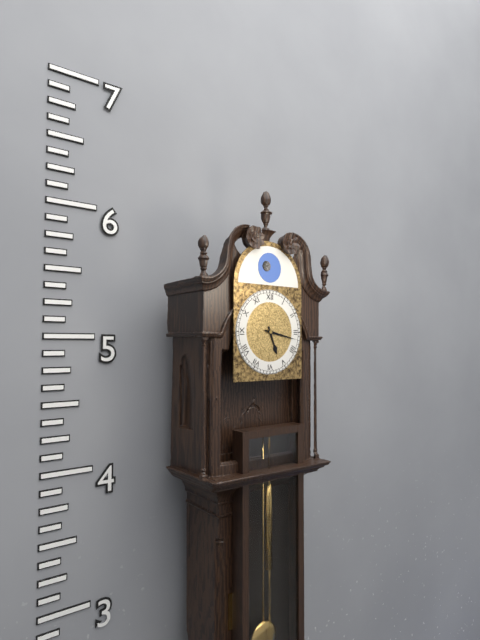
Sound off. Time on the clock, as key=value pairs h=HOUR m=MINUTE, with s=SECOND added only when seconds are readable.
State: h=5 m=17
